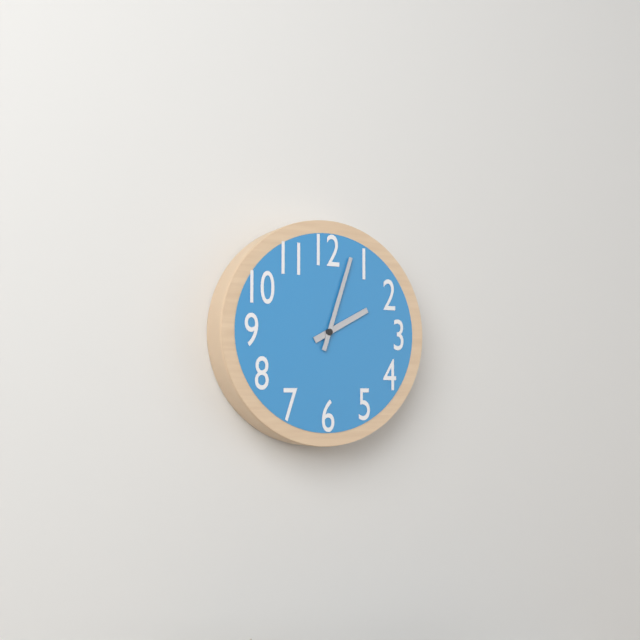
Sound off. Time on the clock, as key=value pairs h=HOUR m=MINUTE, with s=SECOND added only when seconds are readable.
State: h=2 m=3
